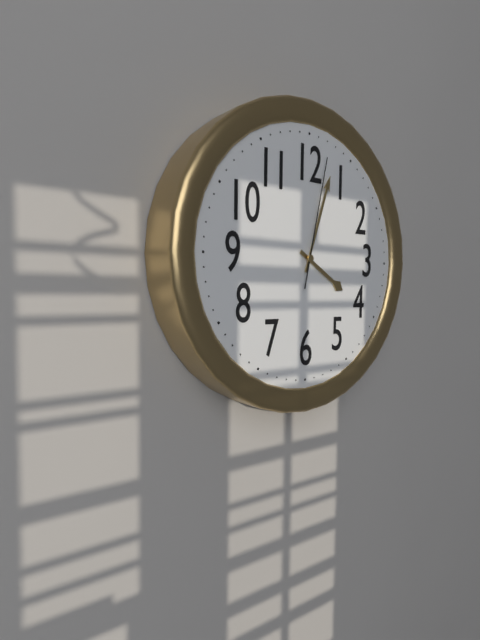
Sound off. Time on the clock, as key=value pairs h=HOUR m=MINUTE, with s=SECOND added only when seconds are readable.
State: h=4 m=3 s=2
